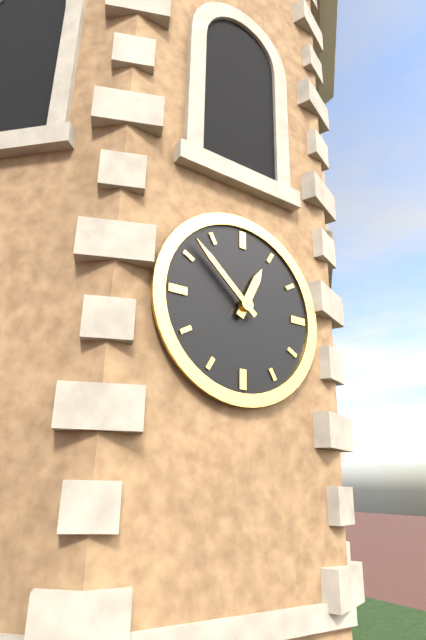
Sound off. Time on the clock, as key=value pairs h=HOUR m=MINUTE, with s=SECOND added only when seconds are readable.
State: h=12 m=52
